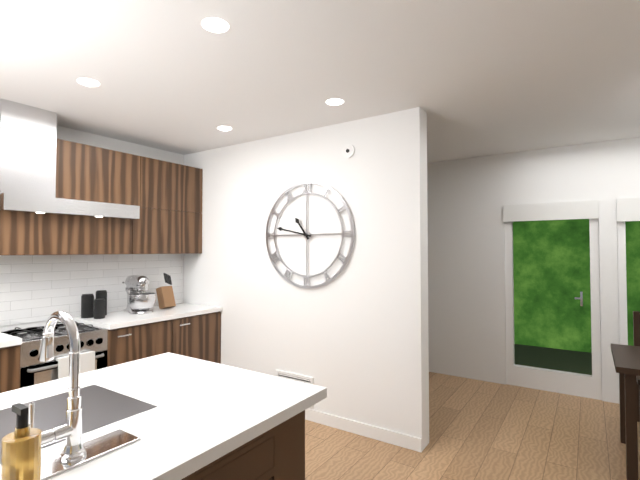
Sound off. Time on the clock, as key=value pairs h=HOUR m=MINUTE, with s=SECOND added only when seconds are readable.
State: h=10 m=47
